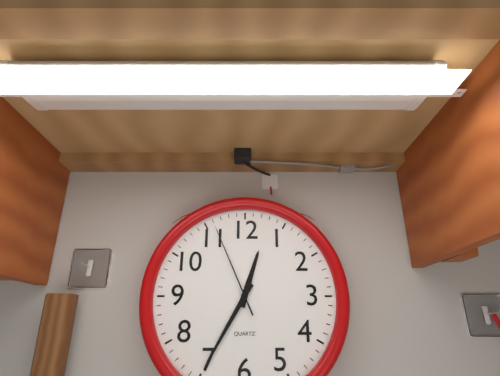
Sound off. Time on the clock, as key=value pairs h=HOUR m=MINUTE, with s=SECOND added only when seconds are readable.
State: h=12 m=35 s=56
